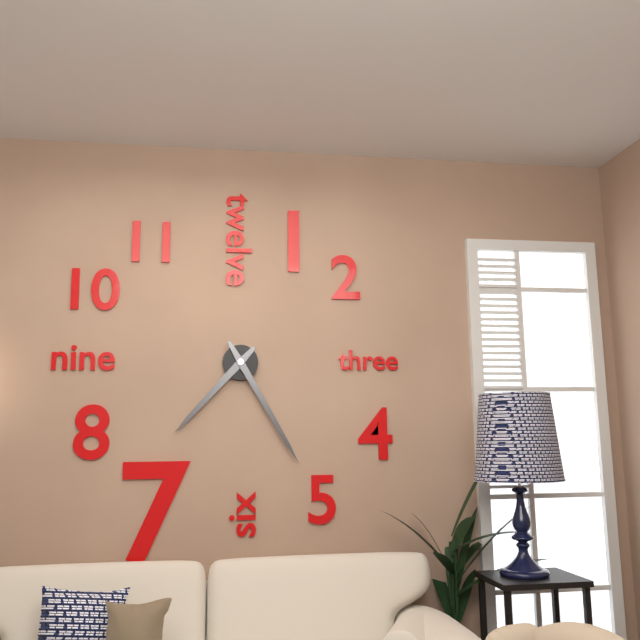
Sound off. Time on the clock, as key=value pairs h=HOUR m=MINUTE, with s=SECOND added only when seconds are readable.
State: h=7 m=25
